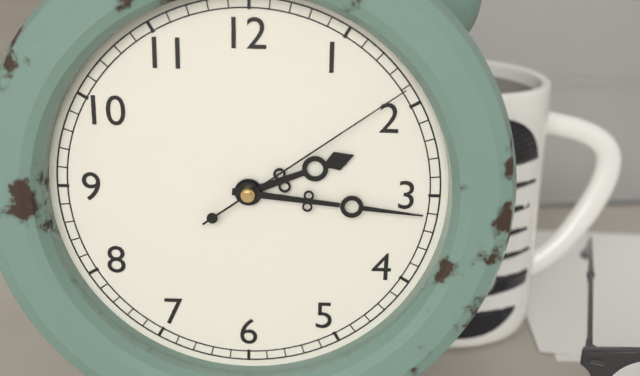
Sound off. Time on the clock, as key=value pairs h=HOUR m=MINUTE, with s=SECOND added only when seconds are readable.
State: h=2 m=16 s=9
